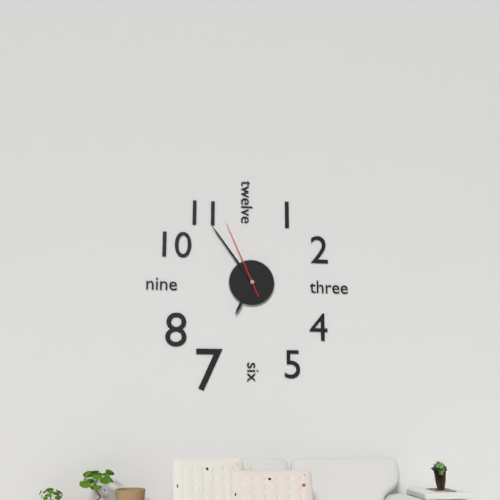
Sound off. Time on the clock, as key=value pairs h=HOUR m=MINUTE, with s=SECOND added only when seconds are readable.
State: h=6 m=54 s=56
